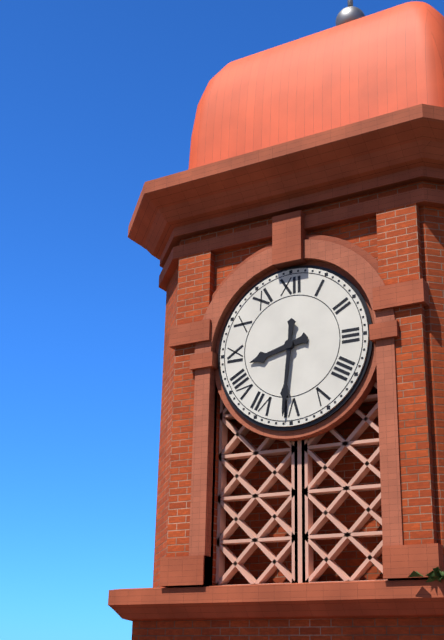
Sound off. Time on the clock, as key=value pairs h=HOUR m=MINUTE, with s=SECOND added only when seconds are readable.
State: h=8 m=31
